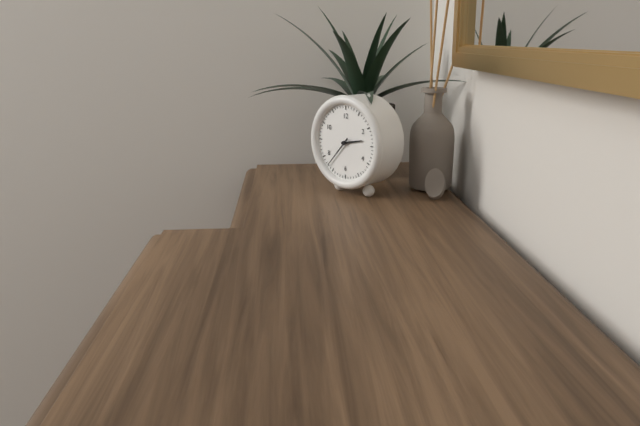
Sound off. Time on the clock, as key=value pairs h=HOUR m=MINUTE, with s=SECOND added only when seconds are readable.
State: h=2 m=37
